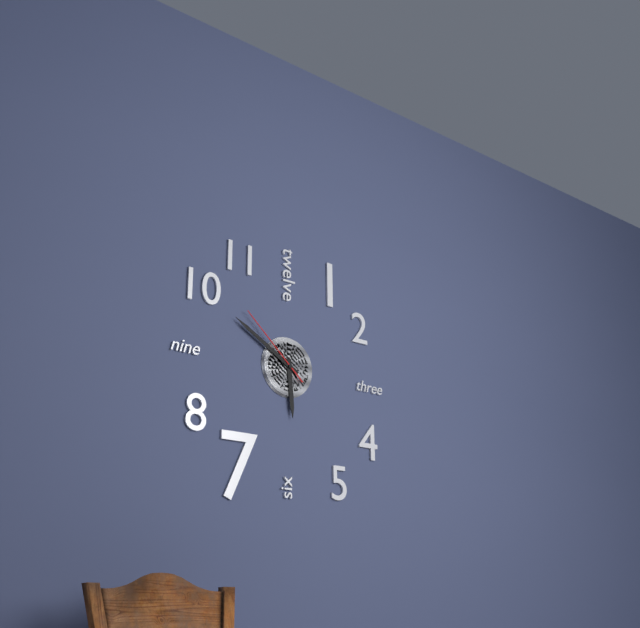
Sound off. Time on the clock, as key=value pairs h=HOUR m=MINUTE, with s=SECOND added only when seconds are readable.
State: h=5 m=50 s=52
